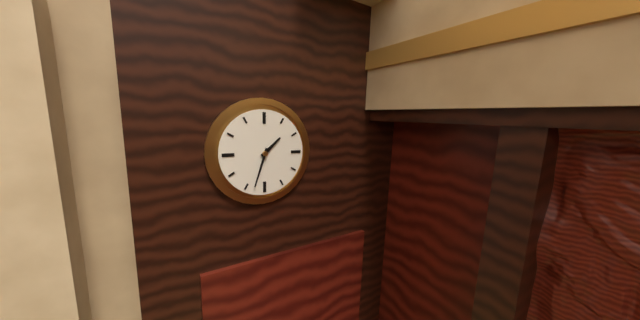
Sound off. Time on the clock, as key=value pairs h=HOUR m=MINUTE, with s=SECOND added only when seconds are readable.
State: h=1 m=33
